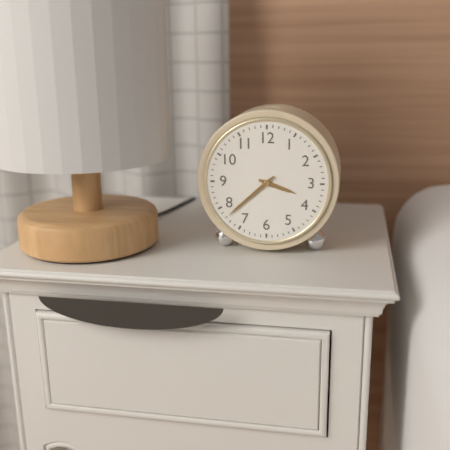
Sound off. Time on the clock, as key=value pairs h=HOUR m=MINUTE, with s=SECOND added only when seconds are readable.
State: h=3 m=38
